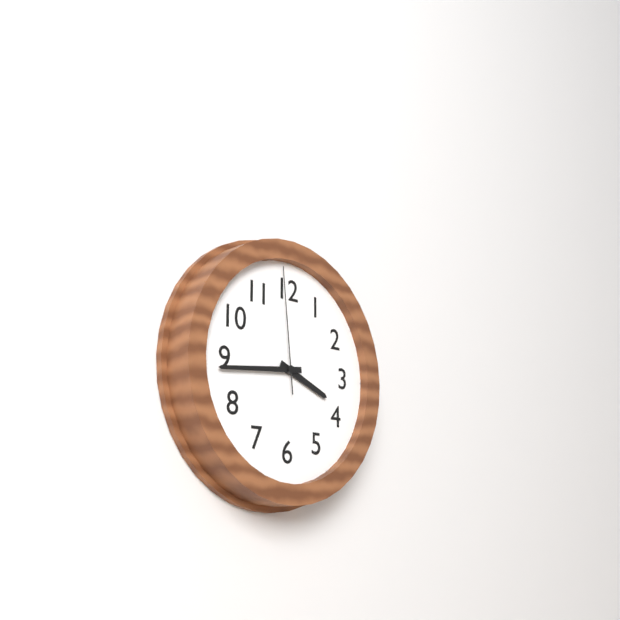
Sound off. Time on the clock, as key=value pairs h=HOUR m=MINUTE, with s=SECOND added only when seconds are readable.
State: h=3 m=44 s=59
